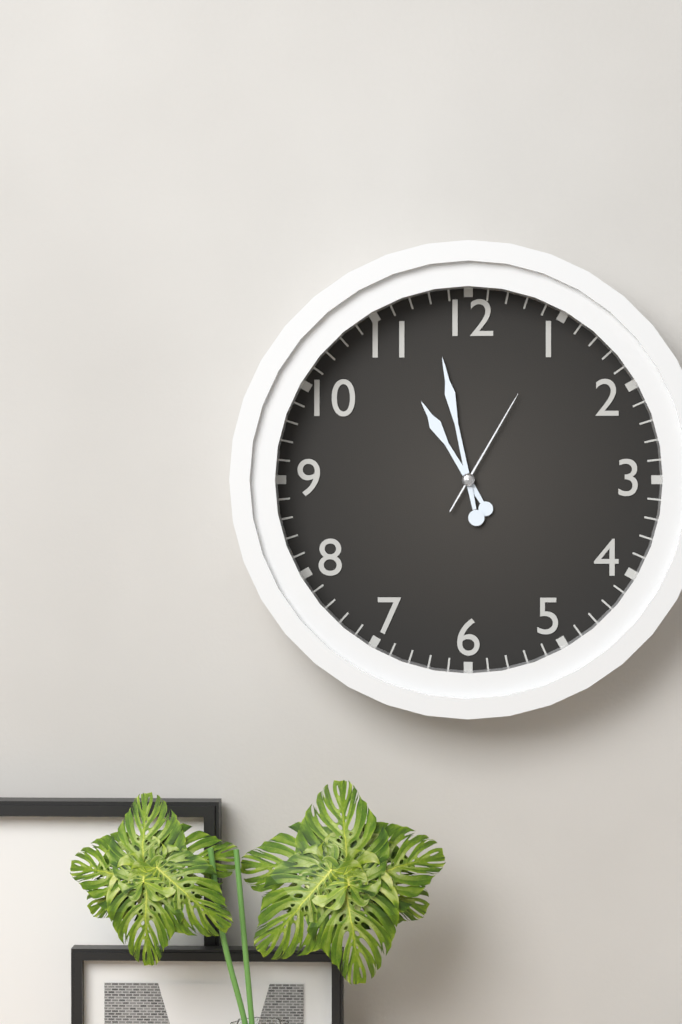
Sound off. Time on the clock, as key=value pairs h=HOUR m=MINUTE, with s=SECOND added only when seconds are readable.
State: h=10 m=58 s=5
